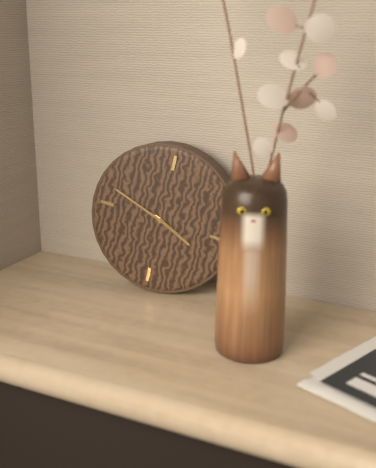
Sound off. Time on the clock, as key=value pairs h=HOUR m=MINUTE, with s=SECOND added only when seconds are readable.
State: h=3 m=48
